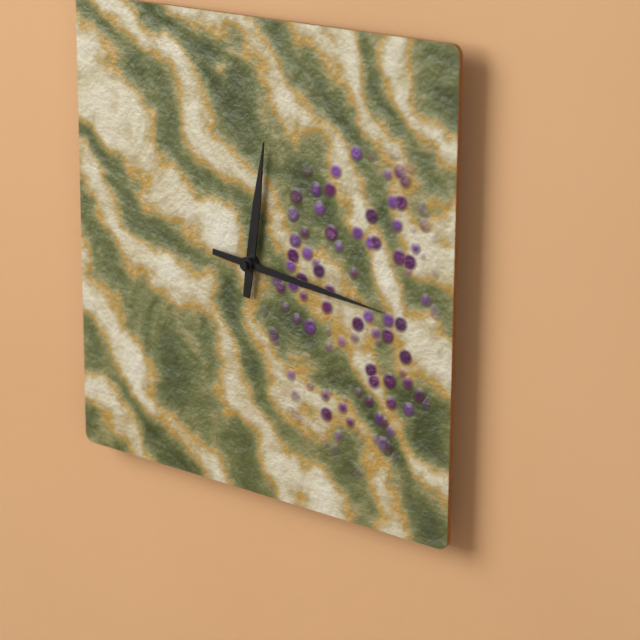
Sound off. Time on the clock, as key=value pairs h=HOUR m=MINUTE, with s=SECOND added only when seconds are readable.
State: h=12 m=16
